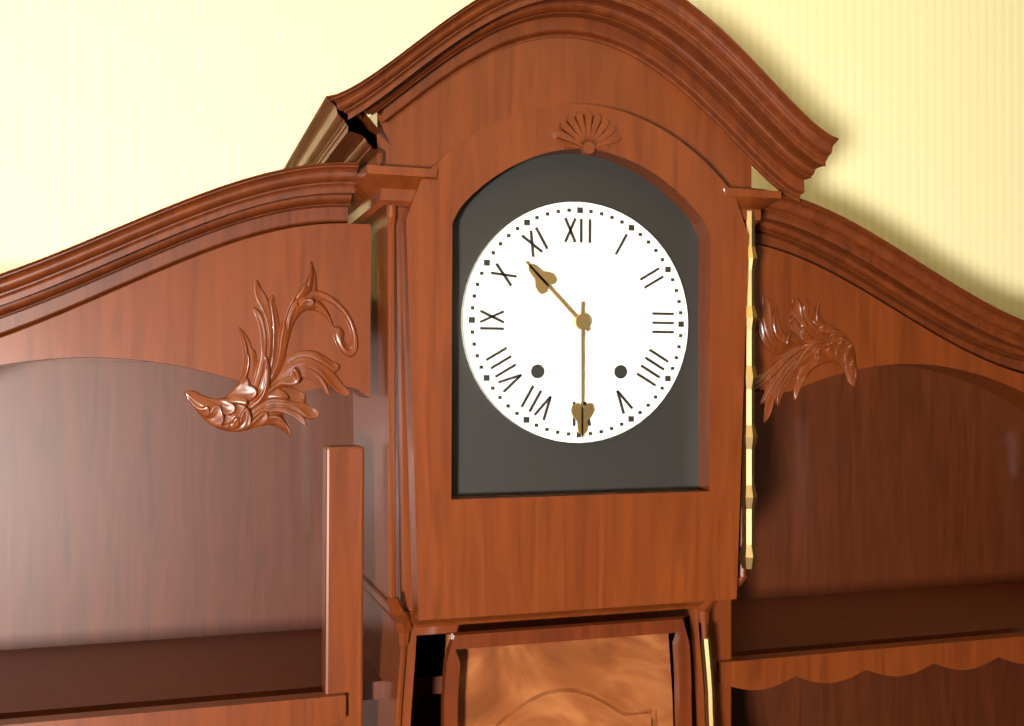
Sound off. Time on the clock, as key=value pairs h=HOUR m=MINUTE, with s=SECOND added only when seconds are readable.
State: h=10 m=30
